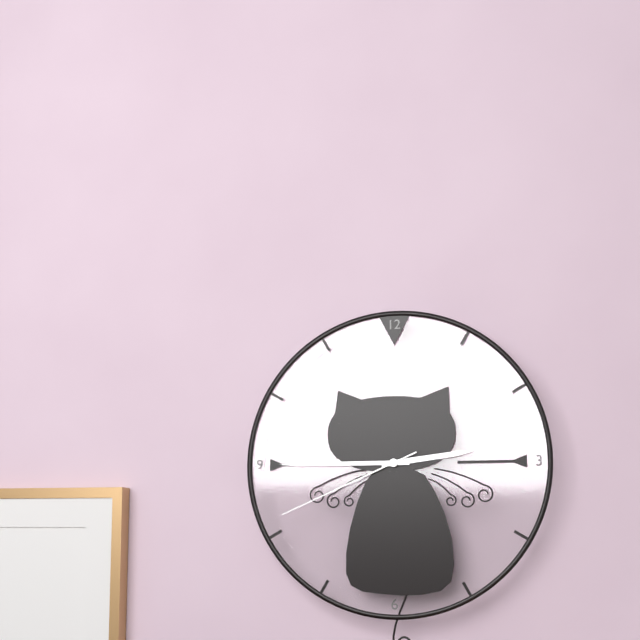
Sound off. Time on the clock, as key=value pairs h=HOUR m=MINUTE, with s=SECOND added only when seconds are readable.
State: h=2 m=45 s=41
